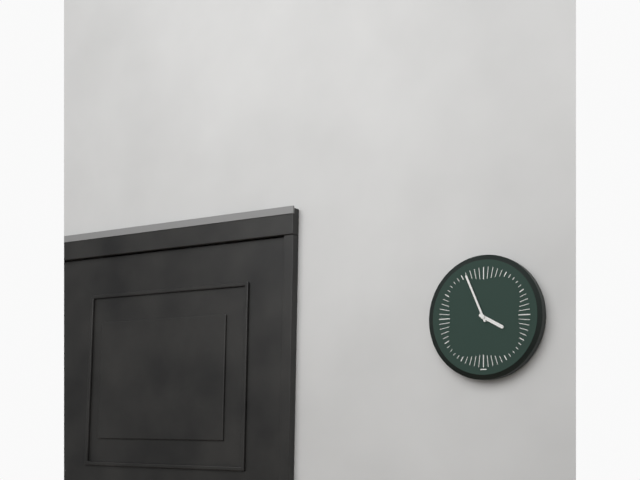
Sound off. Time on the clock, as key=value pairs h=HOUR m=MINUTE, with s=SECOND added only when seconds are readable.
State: h=3 m=56
